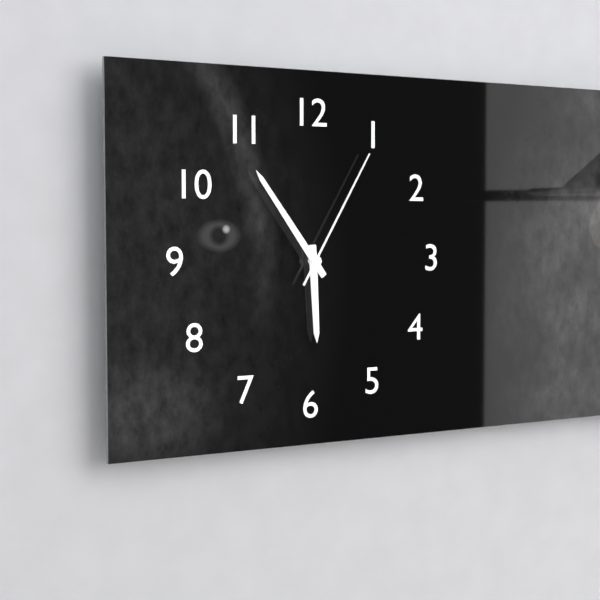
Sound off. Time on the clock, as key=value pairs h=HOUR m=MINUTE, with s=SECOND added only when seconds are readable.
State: h=5 m=54 s=5
